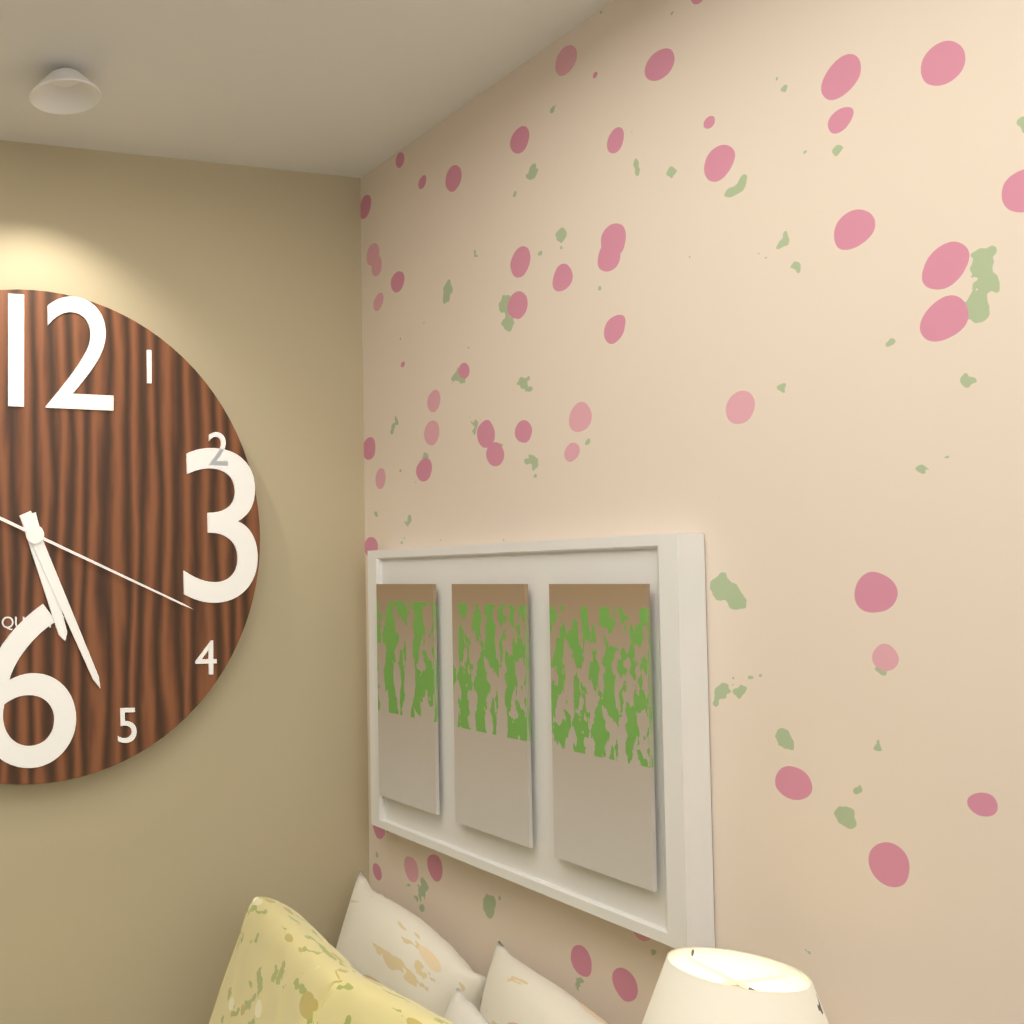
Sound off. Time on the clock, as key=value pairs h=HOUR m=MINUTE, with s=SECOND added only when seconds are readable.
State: h=5 m=26 s=19
